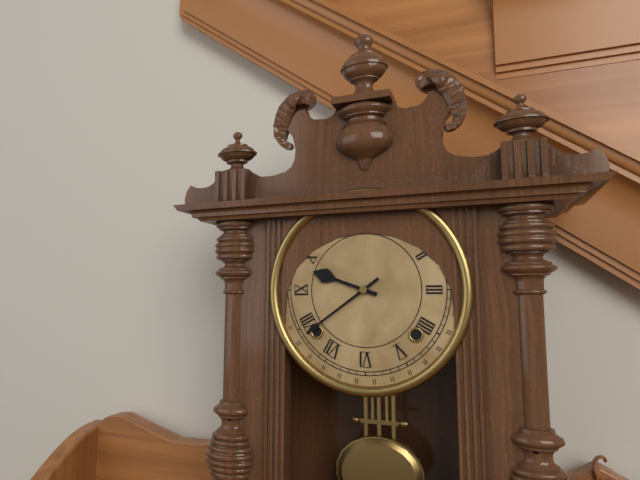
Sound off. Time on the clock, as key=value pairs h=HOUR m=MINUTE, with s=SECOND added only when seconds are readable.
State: h=9 m=39
